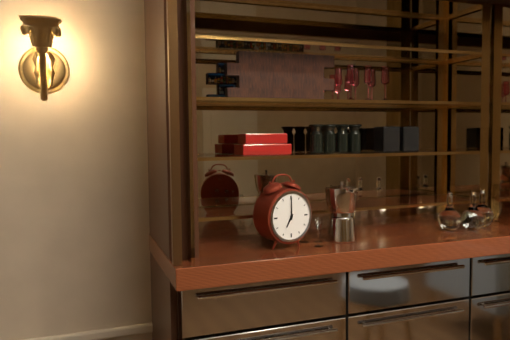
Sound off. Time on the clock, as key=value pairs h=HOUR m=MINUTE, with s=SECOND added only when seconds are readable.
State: h=7 m=0
